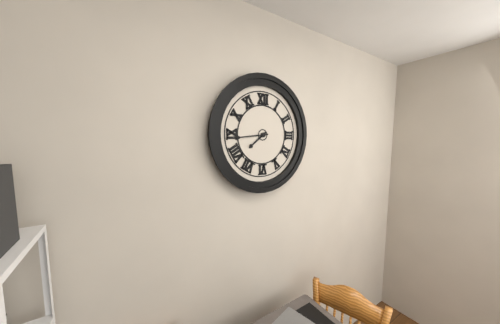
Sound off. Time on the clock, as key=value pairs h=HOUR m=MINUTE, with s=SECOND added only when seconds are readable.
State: h=7 m=44
